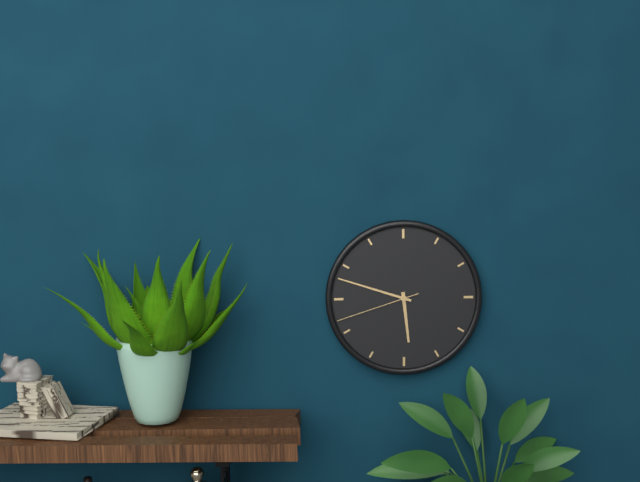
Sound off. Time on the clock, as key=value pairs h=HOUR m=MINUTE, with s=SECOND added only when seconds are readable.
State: h=5 m=48 s=42
